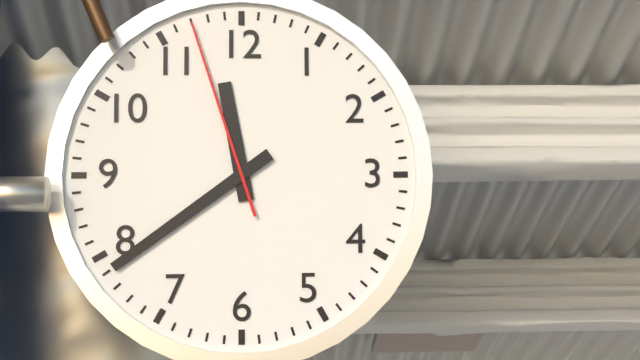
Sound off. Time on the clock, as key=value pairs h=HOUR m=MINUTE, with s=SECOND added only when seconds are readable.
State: h=11 m=39 s=57
